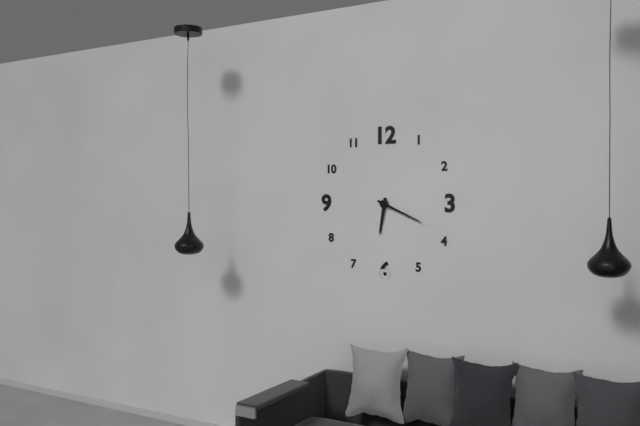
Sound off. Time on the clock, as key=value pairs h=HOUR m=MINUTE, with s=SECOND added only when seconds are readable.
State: h=6 m=19
